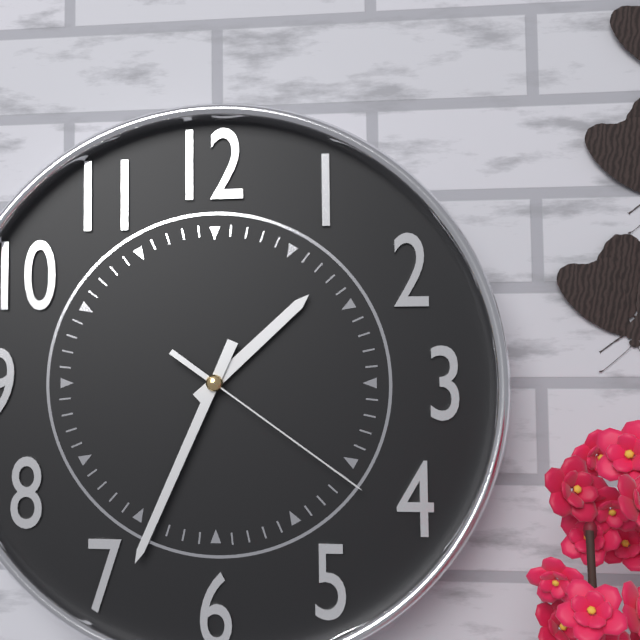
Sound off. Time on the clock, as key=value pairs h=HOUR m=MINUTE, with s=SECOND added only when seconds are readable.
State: h=1 m=34 s=21
